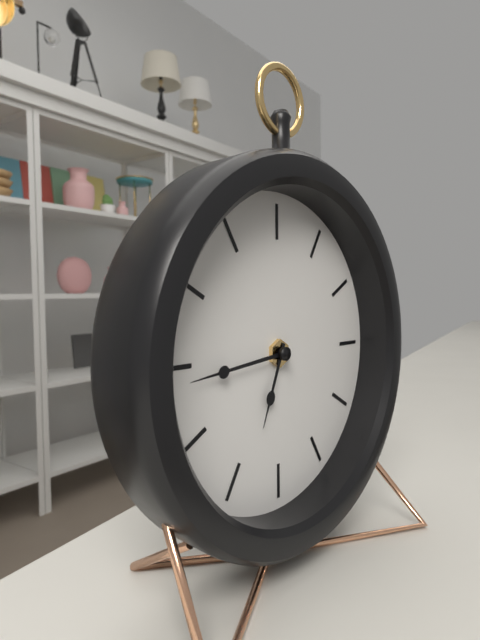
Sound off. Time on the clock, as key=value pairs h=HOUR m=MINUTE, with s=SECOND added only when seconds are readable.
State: h=6 m=44
